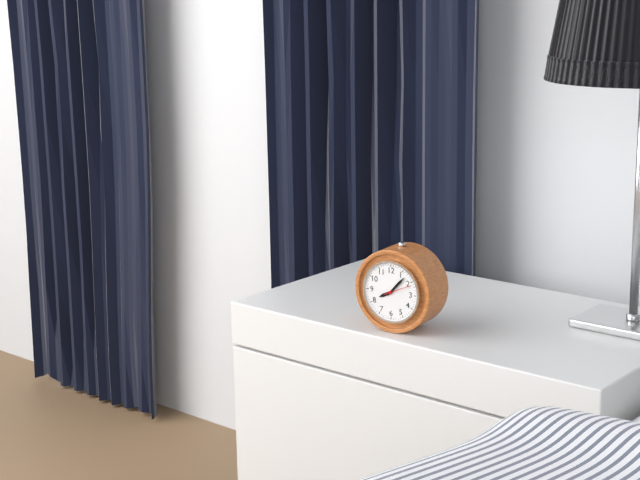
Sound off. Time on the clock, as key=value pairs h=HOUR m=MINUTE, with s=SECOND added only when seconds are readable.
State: h=8 m=7
